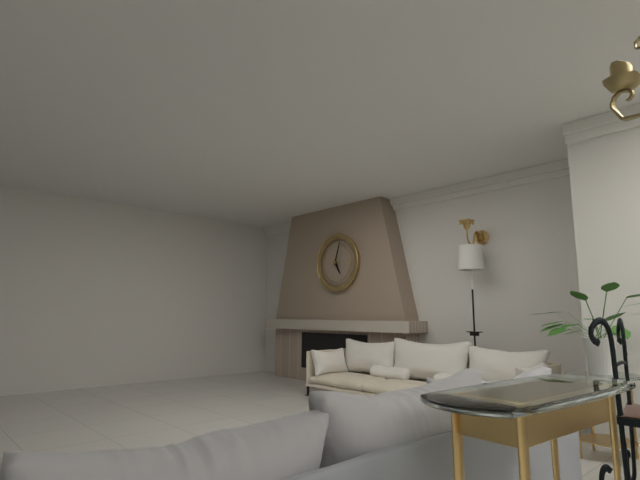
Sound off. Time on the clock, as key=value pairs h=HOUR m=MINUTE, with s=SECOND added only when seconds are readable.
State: h=5 m=3
